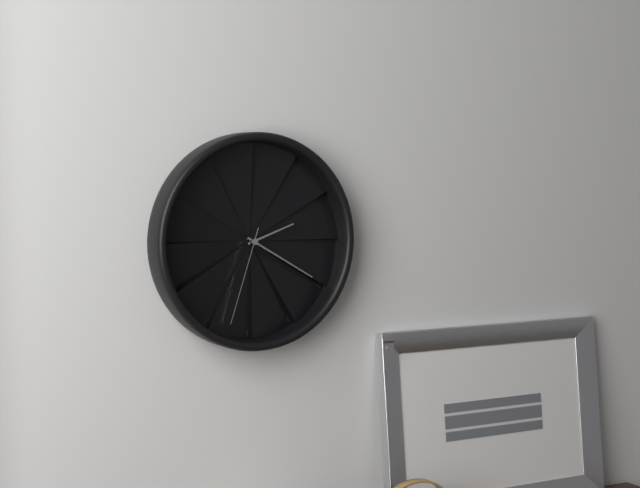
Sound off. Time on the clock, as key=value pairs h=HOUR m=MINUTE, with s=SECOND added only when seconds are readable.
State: h=2 m=20 s=33
